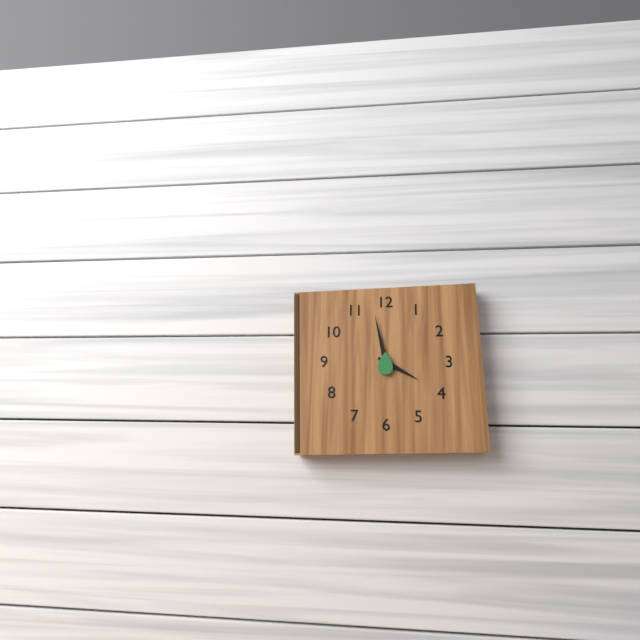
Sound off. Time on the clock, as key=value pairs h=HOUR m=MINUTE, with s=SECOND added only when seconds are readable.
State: h=3 m=58
